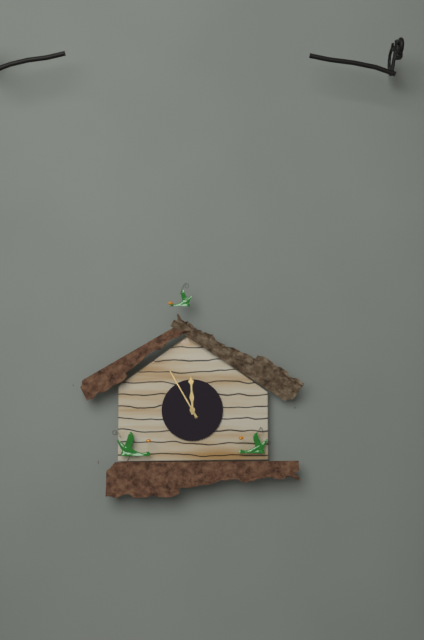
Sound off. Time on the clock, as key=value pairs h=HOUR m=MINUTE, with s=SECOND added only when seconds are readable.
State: h=11 m=55
